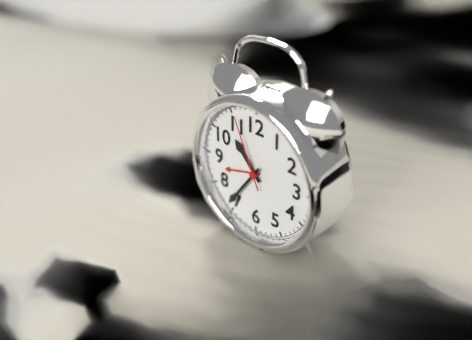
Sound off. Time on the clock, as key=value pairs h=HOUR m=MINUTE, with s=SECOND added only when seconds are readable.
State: h=10 m=36 s=56
